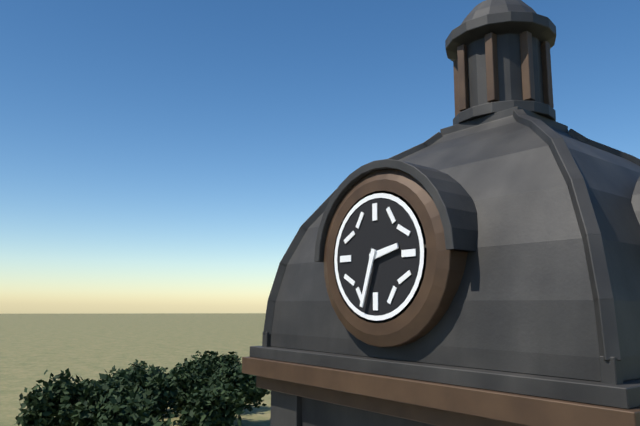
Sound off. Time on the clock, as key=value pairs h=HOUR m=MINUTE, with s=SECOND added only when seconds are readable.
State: h=2 m=33
